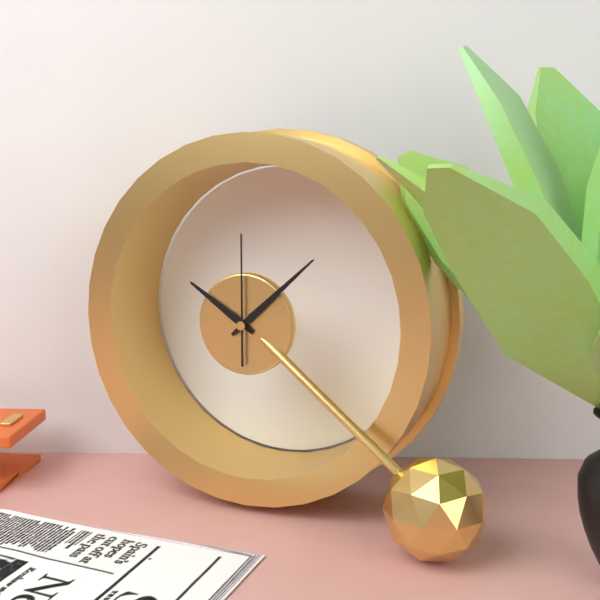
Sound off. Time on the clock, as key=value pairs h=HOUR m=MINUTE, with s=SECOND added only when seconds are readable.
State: h=10 m=8 s=0
